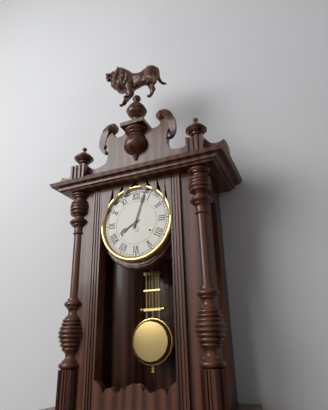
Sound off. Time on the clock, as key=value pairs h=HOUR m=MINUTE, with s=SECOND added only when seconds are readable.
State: h=8 m=3
